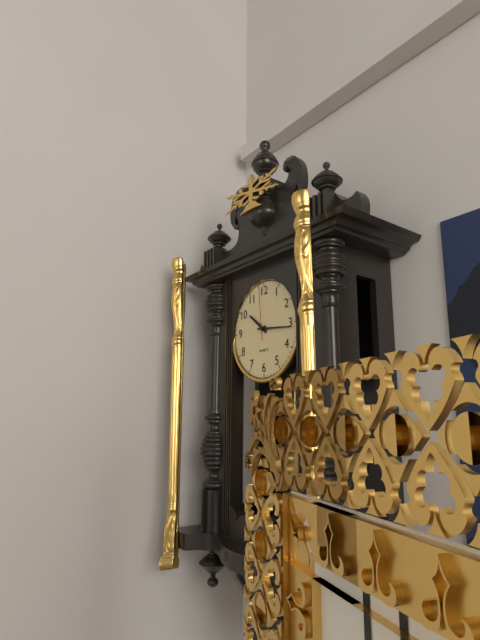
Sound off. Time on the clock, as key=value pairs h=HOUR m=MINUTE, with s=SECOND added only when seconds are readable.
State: h=10 m=16 s=59
